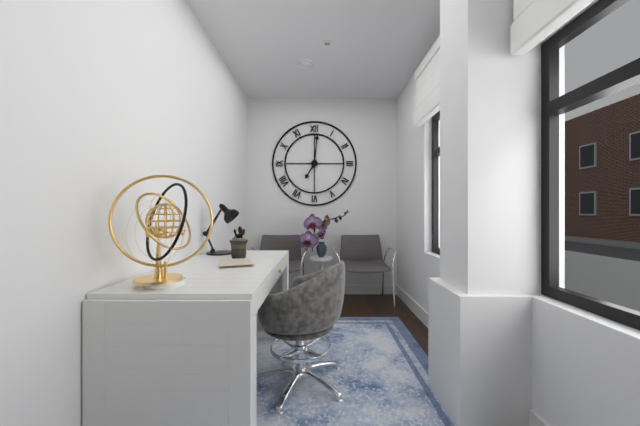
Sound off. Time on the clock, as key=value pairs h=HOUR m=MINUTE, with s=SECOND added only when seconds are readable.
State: h=7 m=1
